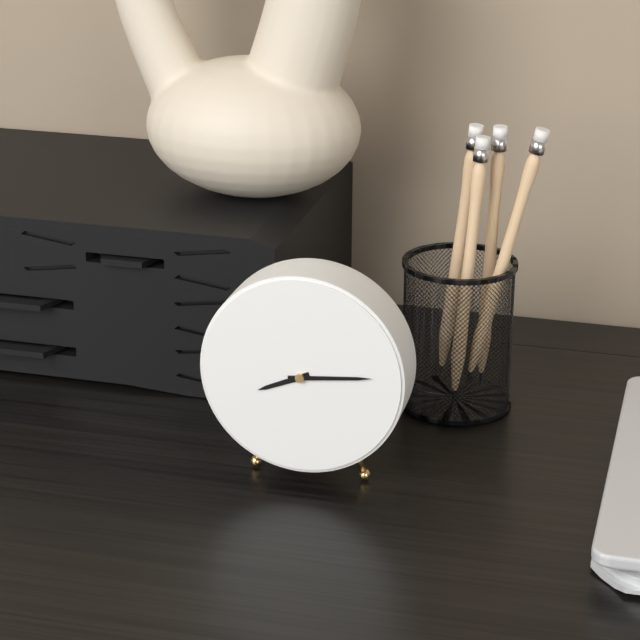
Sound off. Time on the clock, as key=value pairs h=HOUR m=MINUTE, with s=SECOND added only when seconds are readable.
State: h=8 m=14
